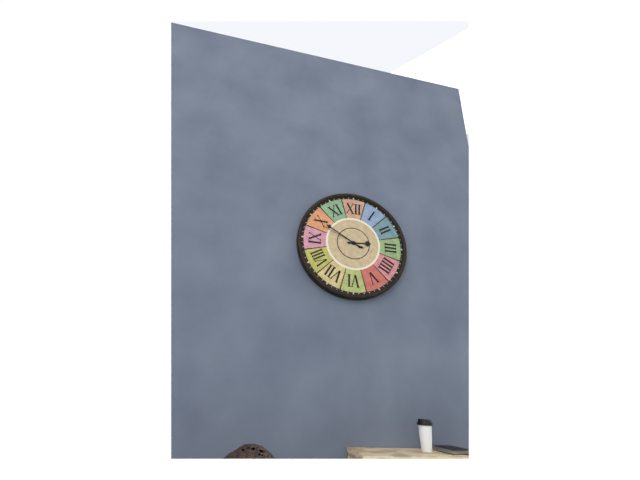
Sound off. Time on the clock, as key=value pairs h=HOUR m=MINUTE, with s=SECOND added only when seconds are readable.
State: h=2 m=50
